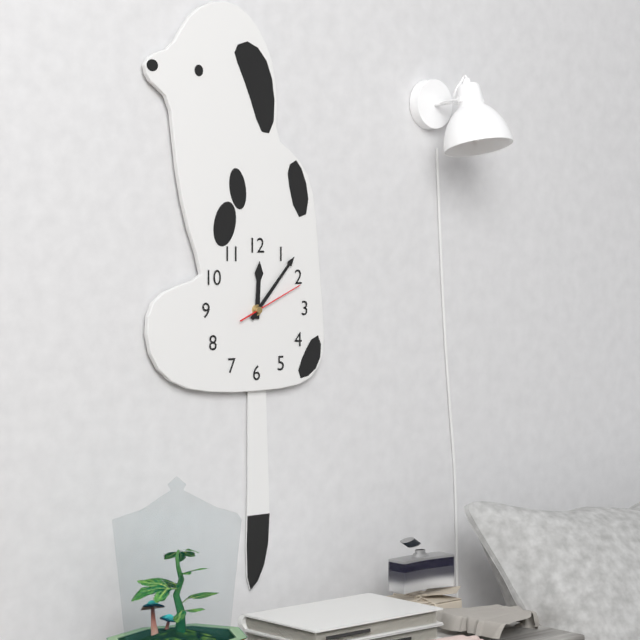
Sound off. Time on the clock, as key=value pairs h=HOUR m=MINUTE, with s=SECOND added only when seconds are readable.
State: h=12 m=7 s=11
